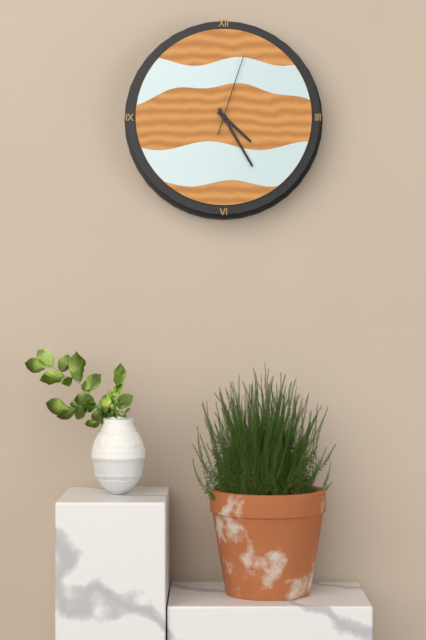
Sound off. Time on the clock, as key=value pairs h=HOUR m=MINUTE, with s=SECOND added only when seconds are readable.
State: h=4 m=25 s=3
